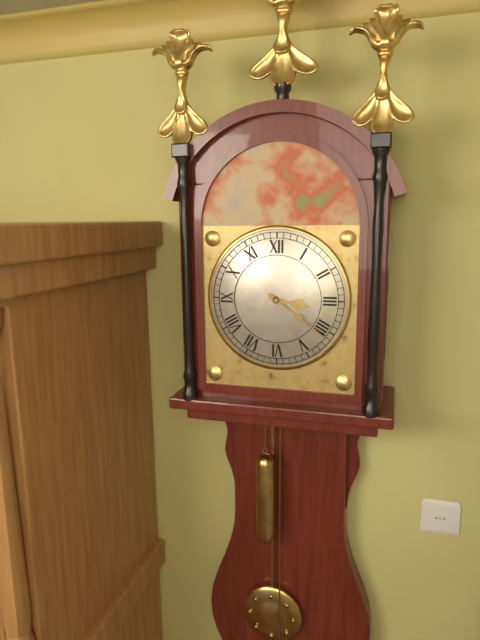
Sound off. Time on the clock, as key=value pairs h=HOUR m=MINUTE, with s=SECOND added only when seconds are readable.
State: h=3 m=21
